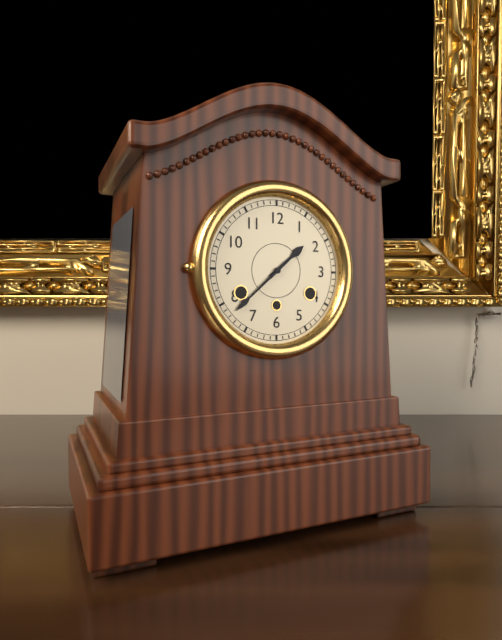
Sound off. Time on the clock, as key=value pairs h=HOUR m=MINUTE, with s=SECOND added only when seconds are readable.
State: h=1 m=38
